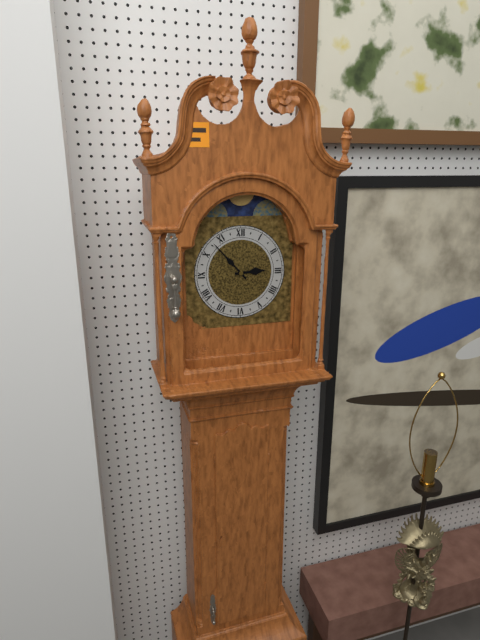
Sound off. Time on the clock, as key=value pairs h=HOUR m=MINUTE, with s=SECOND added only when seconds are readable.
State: h=2 m=53
